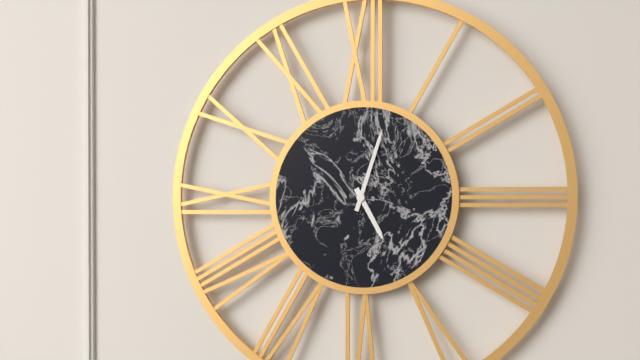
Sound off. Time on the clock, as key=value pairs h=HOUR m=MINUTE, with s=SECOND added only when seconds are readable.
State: h=5 m=3
